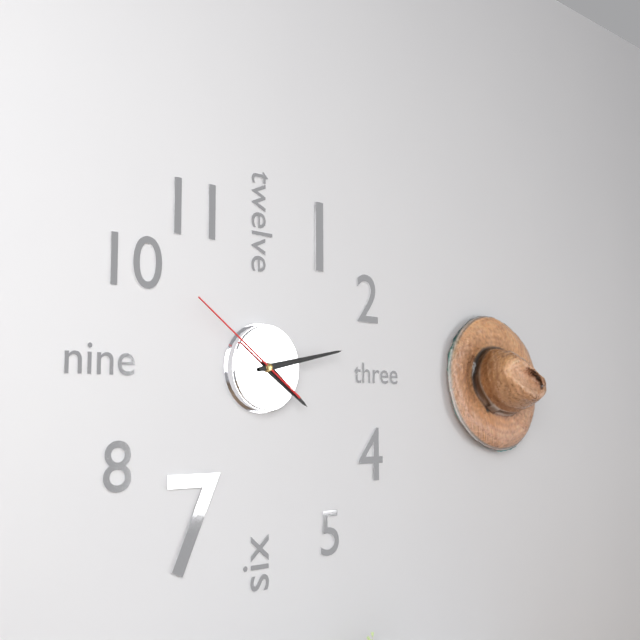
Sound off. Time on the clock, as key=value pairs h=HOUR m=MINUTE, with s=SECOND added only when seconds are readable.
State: h=4 m=13 s=51
